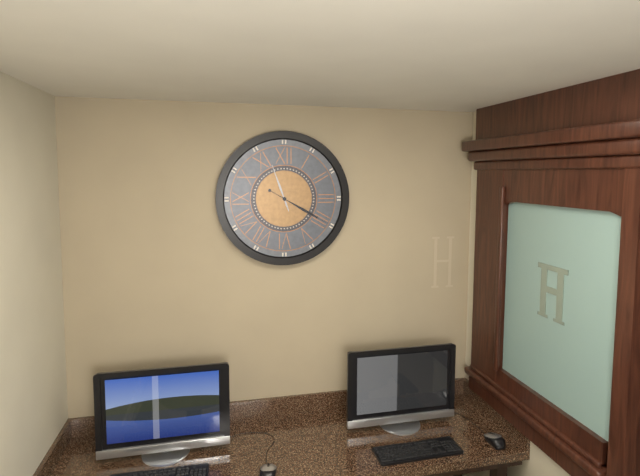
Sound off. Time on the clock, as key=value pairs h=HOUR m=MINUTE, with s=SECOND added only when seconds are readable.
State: h=11 m=20
